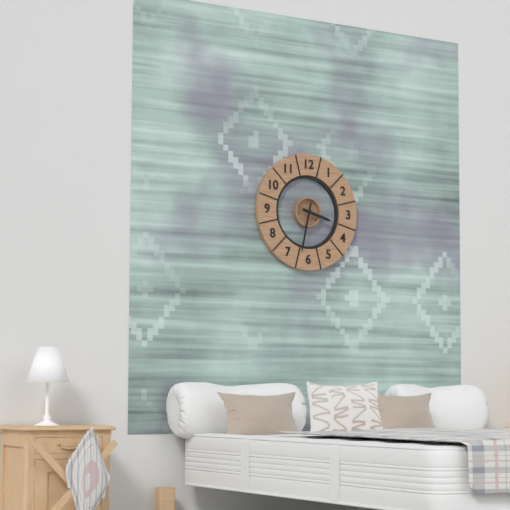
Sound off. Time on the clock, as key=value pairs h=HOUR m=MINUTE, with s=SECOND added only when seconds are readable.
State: h=3 m=32
